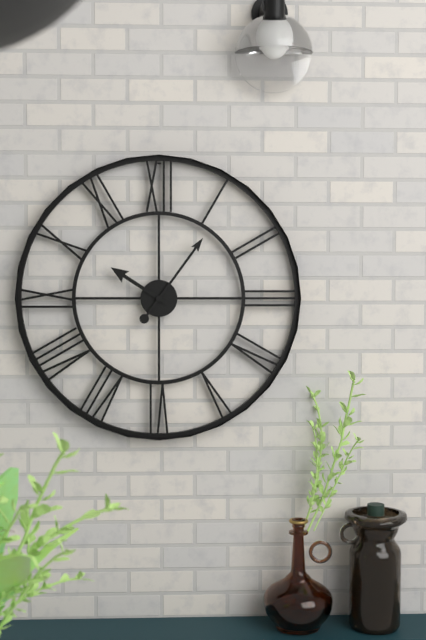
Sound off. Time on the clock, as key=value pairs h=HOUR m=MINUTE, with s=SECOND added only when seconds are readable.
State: h=10 m=6
